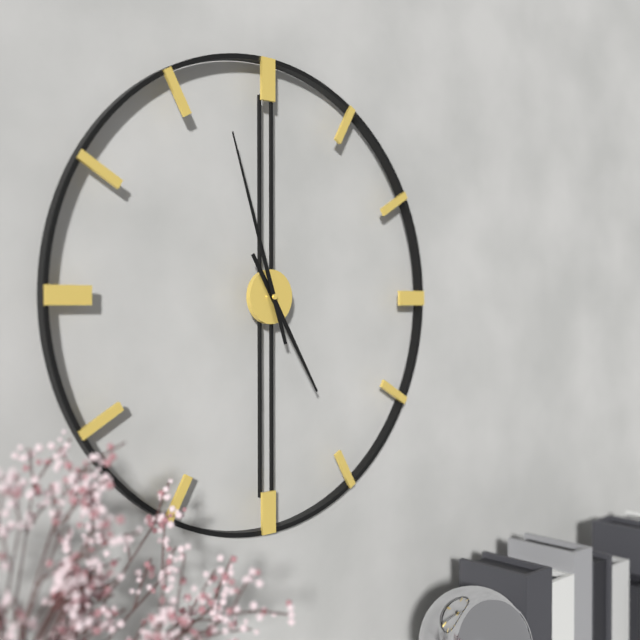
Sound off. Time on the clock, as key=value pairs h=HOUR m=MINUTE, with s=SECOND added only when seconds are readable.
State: h=4 m=57
